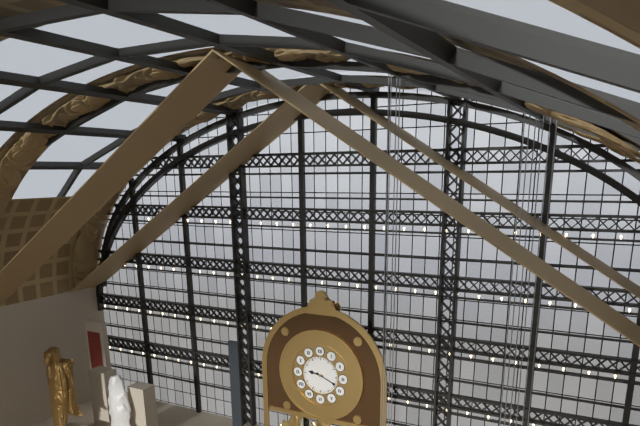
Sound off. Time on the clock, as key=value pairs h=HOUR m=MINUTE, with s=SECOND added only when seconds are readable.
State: h=9 m=19
